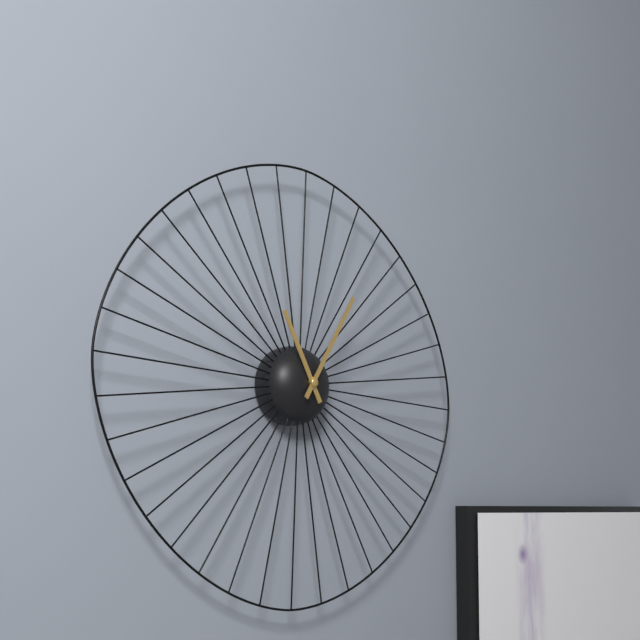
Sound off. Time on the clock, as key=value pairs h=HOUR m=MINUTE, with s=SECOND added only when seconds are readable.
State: h=11 m=5
